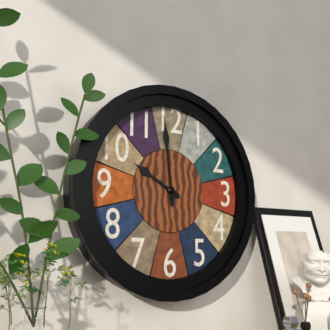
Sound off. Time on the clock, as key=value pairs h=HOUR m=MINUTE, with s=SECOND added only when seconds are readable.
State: h=9 m=59
